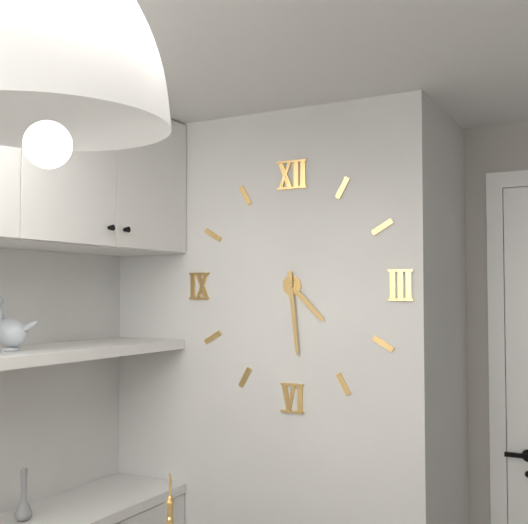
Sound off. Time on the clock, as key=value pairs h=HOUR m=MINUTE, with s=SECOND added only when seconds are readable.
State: h=4 m=29
